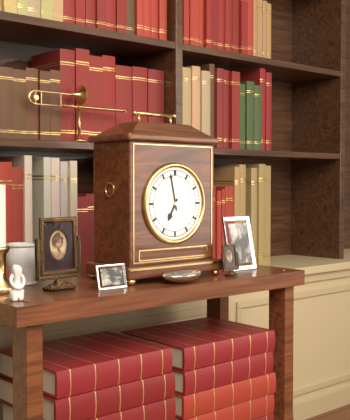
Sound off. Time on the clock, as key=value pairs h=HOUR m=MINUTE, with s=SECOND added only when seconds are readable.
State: h=6 m=58
